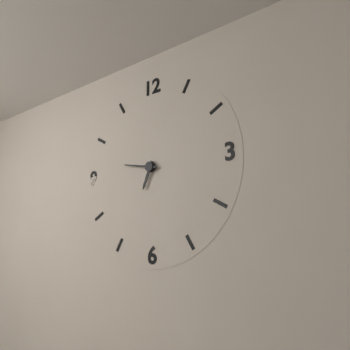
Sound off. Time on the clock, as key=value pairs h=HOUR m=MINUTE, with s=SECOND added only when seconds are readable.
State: h=6 m=47
